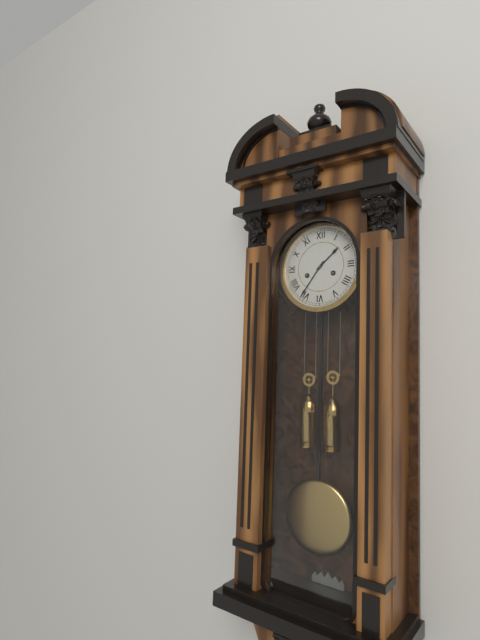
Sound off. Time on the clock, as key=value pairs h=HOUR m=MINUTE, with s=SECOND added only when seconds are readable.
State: h=1 m=36
